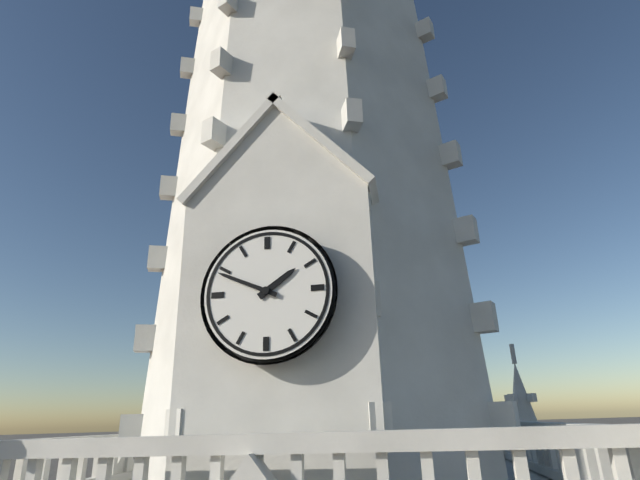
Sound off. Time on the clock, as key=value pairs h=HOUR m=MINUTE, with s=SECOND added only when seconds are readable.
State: h=1 m=49
